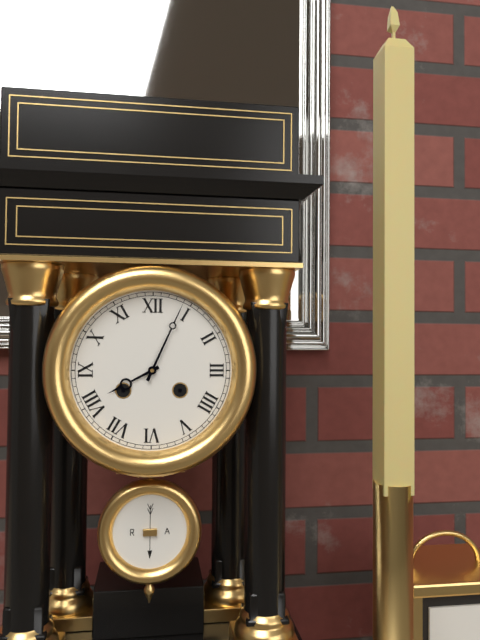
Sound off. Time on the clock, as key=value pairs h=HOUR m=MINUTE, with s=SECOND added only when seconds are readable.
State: h=8 m=4
